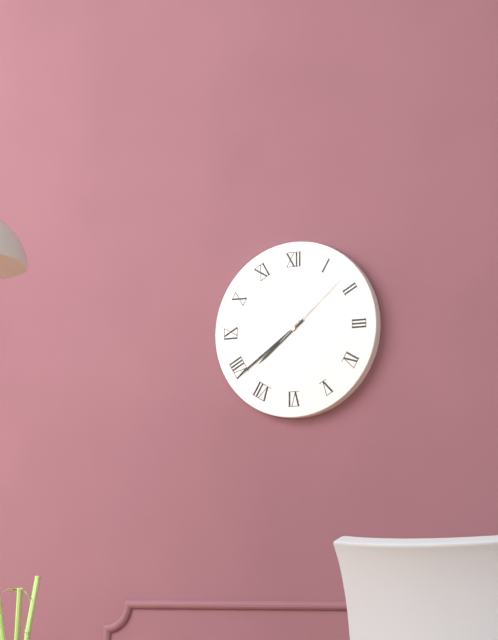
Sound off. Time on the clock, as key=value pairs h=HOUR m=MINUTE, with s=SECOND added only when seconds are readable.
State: h=7 m=39 s=8
